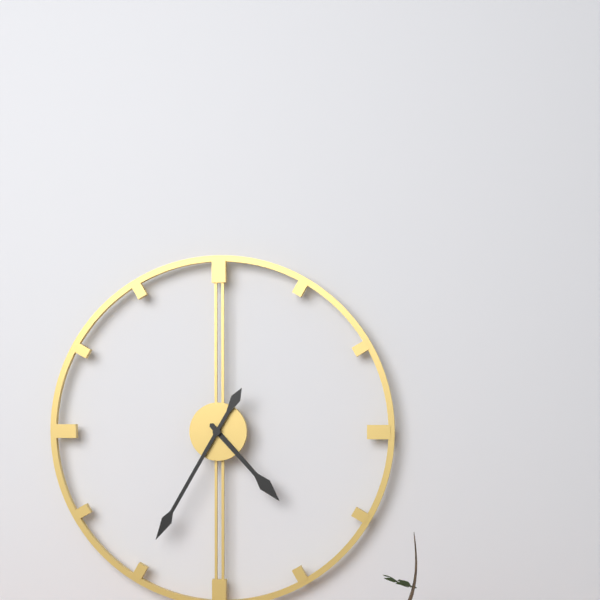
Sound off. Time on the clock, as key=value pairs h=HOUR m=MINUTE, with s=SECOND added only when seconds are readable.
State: h=4 m=35
